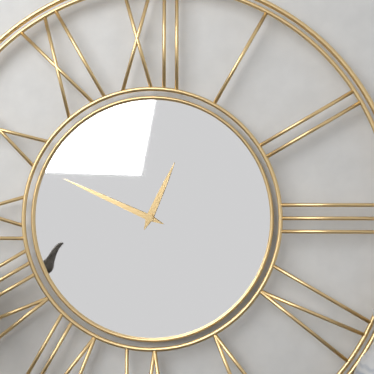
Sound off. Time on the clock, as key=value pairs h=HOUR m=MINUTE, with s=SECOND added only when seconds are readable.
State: h=12 m=49
